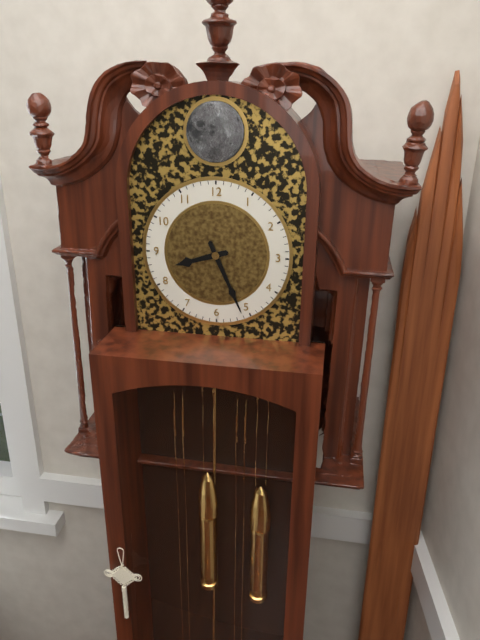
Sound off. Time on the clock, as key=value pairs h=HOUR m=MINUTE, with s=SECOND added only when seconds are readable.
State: h=8 m=26
